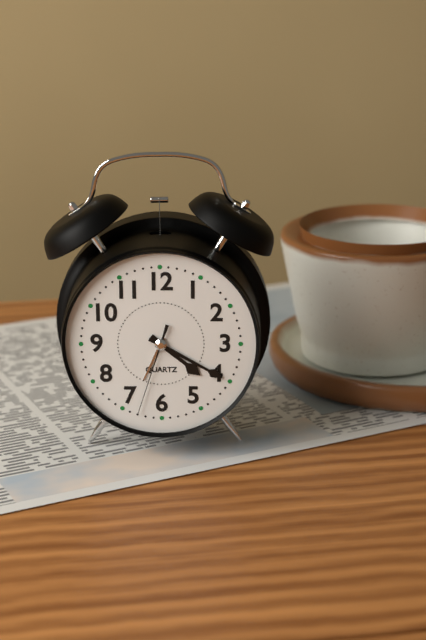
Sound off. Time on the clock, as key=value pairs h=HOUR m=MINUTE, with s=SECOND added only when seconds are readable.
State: h=4 m=20 s=33
